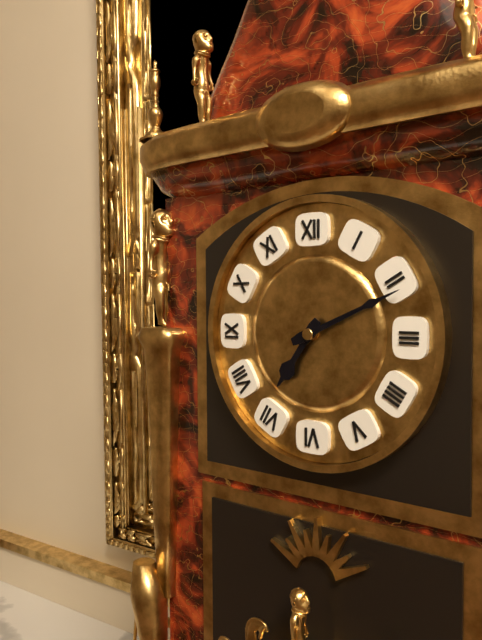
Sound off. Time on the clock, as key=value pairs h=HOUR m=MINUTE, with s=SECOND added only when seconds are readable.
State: h=7 m=11
